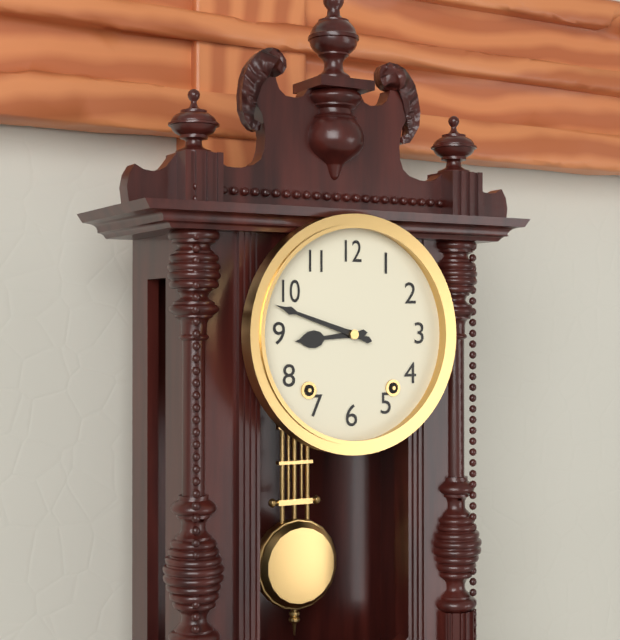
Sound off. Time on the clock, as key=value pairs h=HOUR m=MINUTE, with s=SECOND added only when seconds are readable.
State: h=8 m=48
